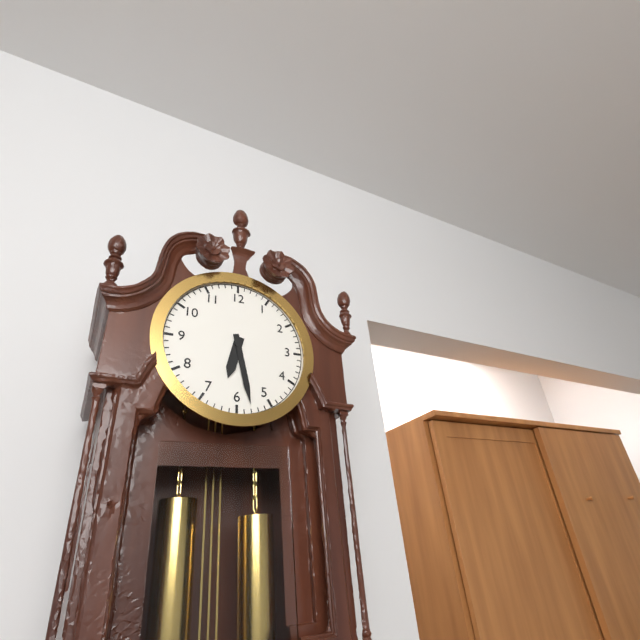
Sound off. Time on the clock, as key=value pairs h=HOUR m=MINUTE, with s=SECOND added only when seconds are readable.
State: h=6 m=28
